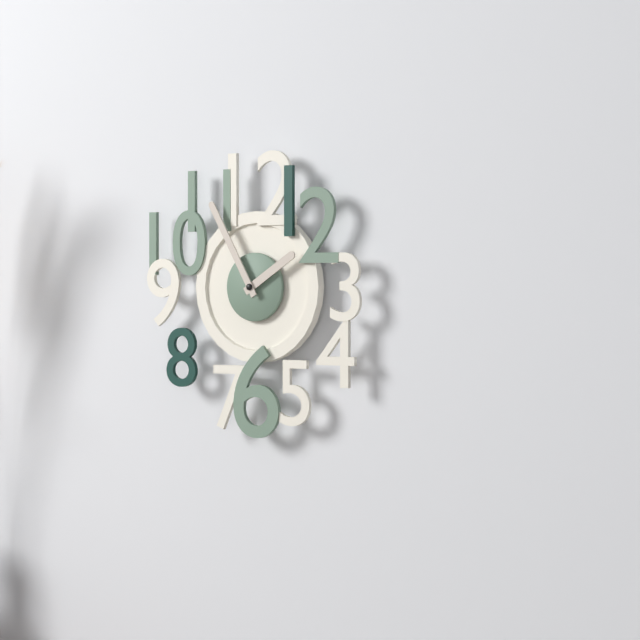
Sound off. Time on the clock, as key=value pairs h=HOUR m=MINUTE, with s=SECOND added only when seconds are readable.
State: h=1 m=55
